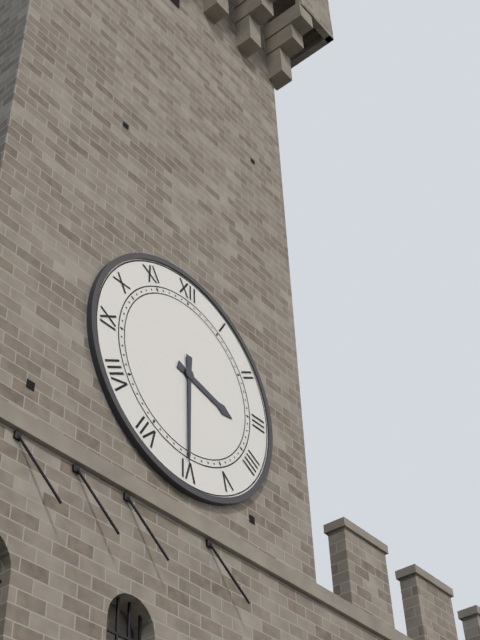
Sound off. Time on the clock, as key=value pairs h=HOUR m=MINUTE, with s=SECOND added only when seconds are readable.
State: h=3 m=30
